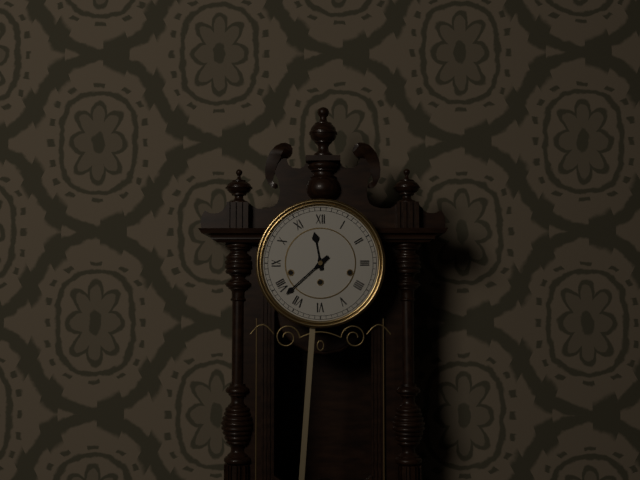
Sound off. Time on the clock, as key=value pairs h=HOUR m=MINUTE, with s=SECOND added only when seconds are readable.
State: h=11 m=38
